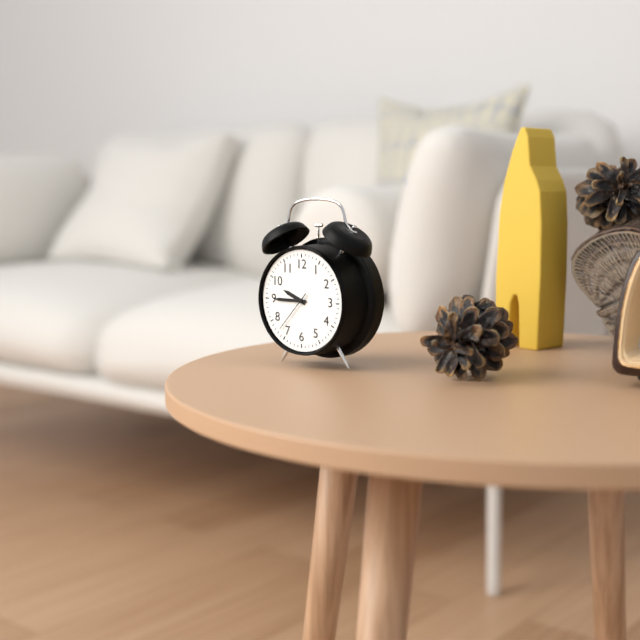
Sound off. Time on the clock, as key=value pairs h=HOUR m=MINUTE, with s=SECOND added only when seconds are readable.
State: h=9 m=45
